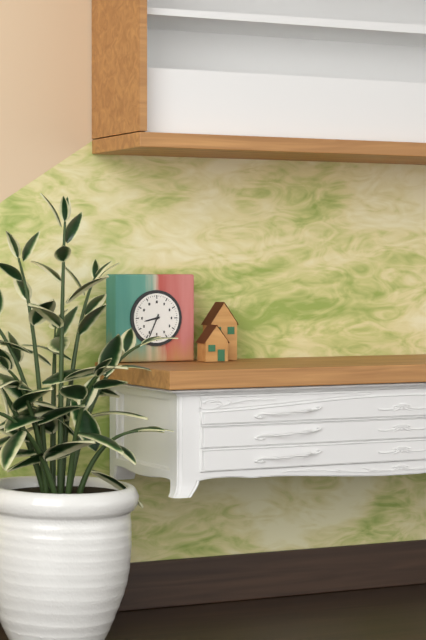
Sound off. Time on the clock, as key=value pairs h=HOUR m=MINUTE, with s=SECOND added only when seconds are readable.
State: h=8 m=34
